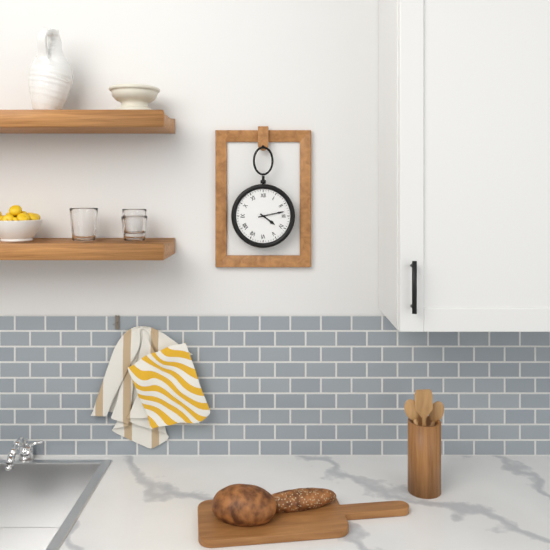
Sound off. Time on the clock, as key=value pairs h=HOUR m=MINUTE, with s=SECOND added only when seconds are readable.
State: h=4 m=13
